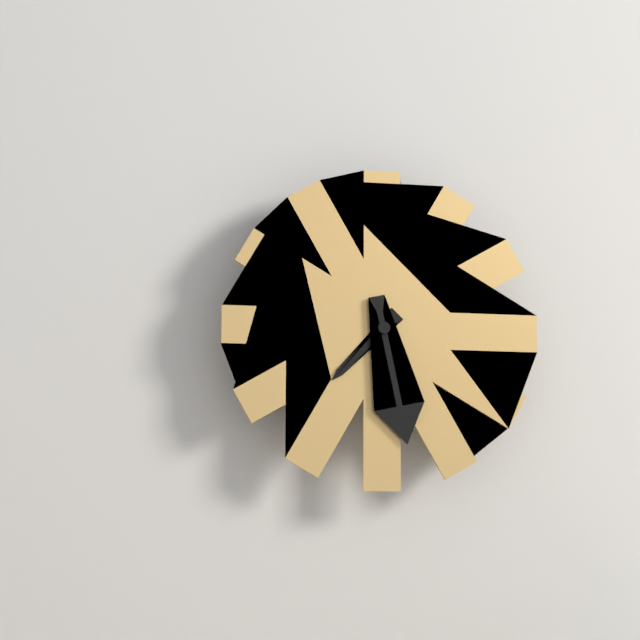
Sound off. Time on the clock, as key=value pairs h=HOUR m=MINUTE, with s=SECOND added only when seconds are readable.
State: h=7 m=28
